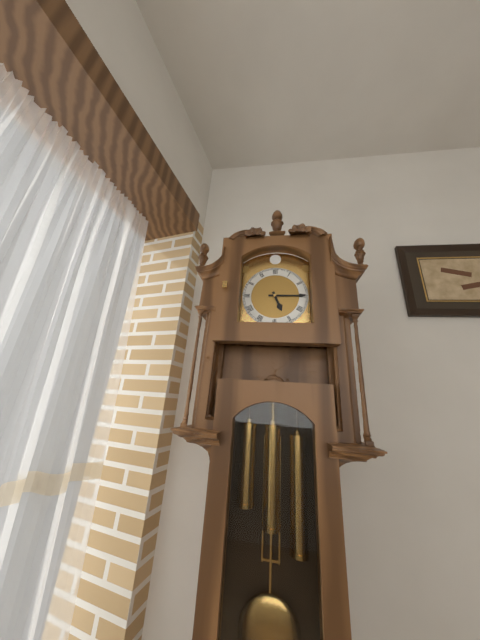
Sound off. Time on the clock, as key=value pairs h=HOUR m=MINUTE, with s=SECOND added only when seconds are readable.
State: h=5 m=15
